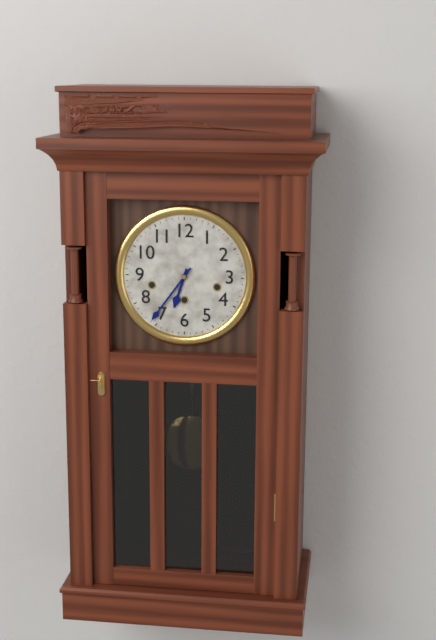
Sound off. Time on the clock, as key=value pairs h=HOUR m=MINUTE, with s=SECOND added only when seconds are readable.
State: h=6 m=36
